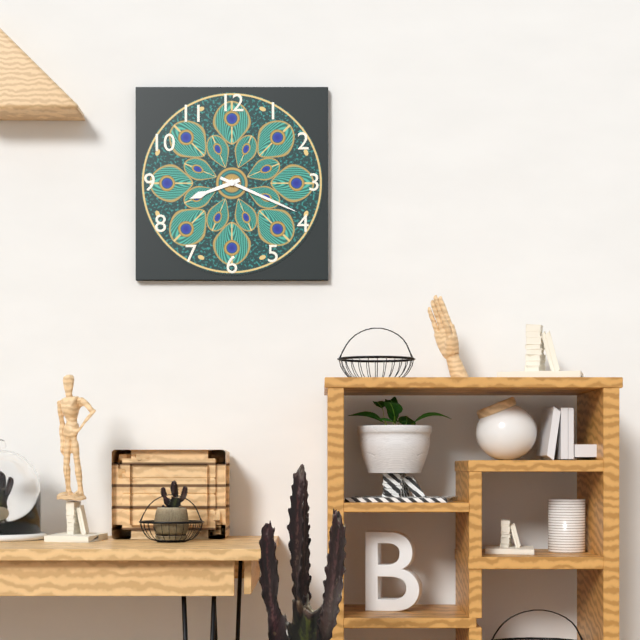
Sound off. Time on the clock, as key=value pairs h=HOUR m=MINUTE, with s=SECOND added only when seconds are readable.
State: h=8 m=19
